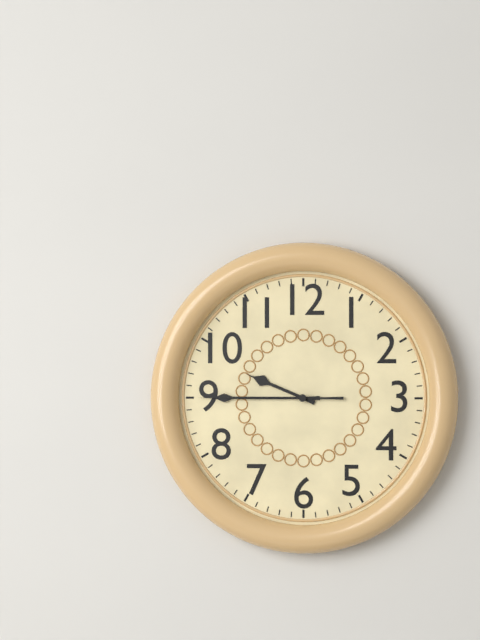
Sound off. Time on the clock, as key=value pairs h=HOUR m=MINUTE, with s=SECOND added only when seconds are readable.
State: h=9 m=45 s=45
